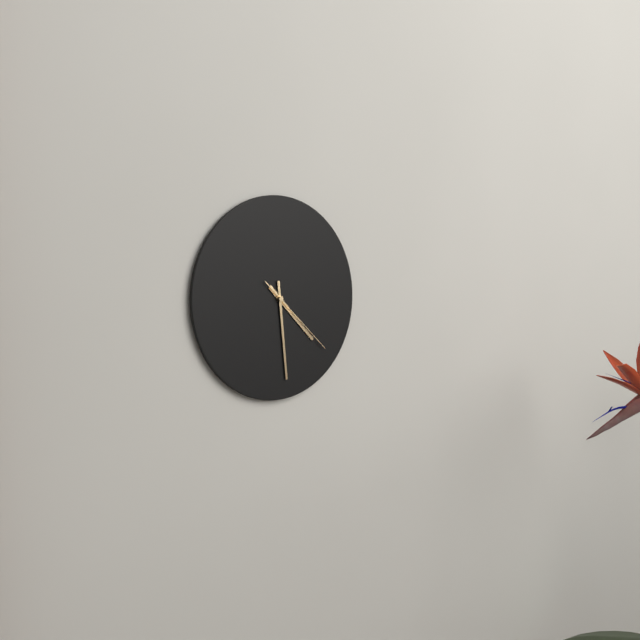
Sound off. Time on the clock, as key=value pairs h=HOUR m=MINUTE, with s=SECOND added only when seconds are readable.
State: h=4 m=29 s=22
